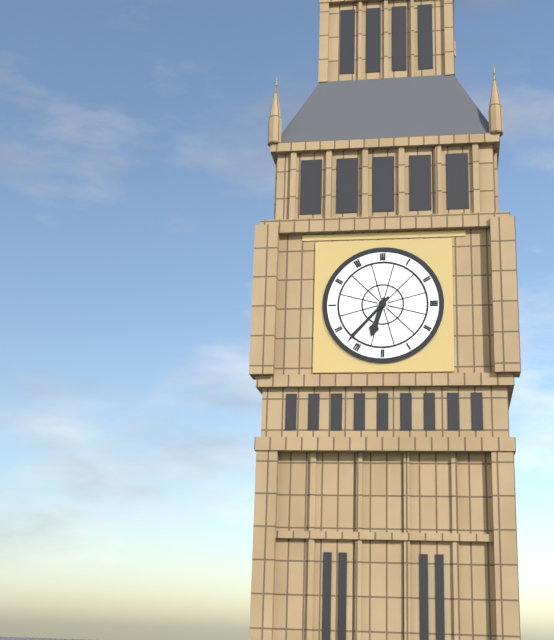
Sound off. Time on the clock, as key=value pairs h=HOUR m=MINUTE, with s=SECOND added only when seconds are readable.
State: h=6 m=37
